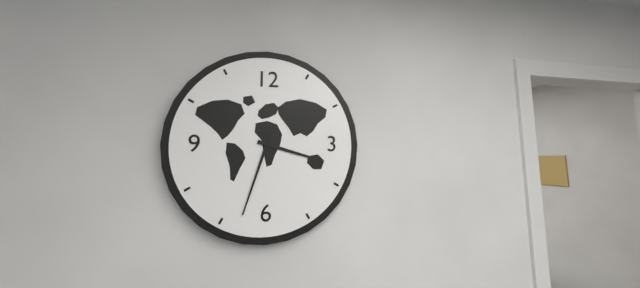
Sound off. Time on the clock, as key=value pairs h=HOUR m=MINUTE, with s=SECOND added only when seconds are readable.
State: h=3 m=33
